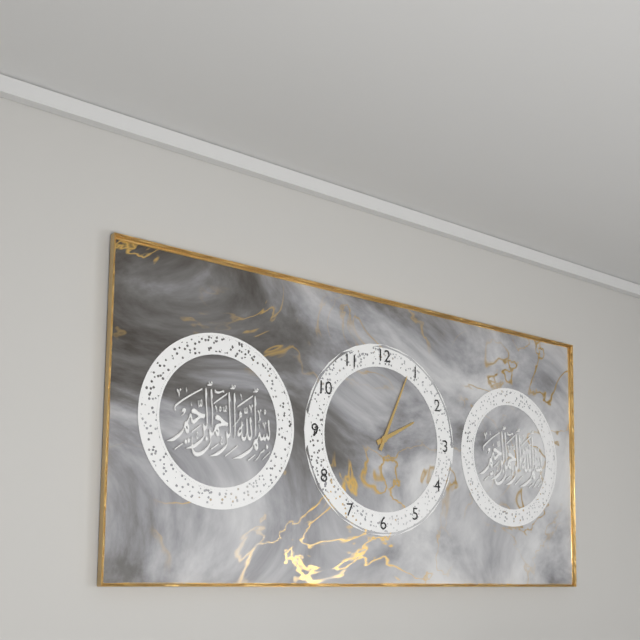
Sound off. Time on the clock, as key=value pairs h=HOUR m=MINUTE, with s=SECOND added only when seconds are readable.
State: h=2 m=4
